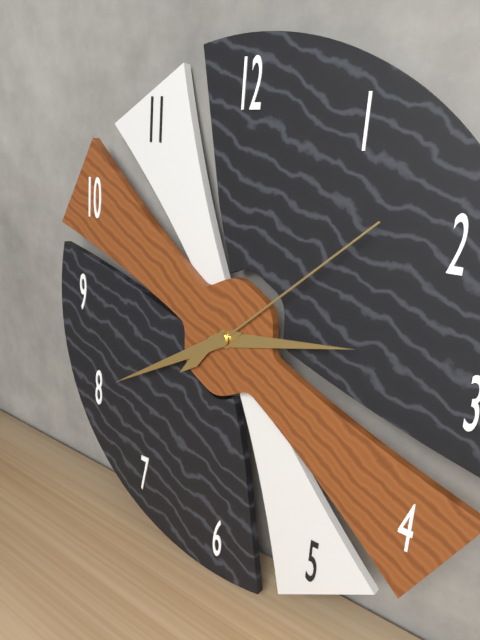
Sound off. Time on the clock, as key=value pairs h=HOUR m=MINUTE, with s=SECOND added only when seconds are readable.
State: h=2 m=40 s=8
